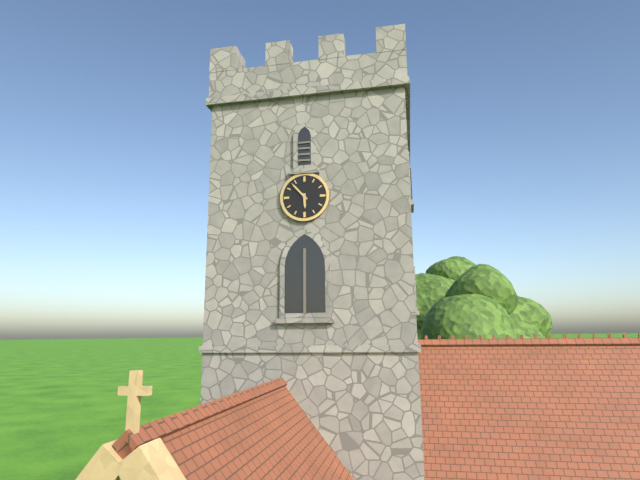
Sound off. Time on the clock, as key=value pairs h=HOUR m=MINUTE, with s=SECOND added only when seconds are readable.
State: h=5 m=53
